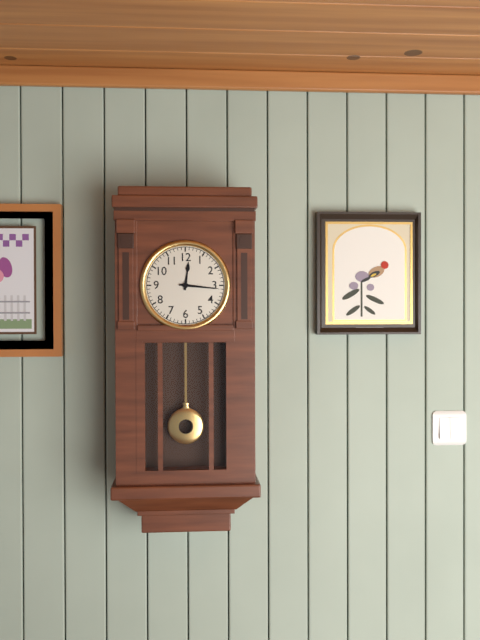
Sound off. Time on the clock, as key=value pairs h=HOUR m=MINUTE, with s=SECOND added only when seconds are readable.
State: h=12 m=16
